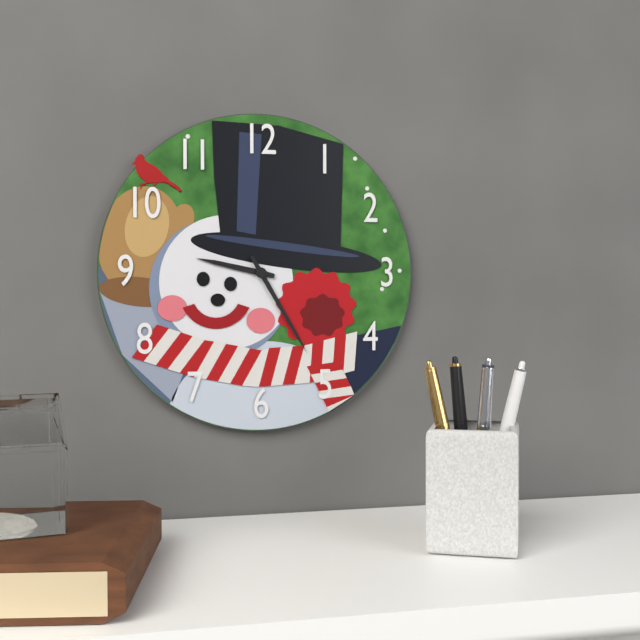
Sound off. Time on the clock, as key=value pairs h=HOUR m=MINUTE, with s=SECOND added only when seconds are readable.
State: h=9 m=25
